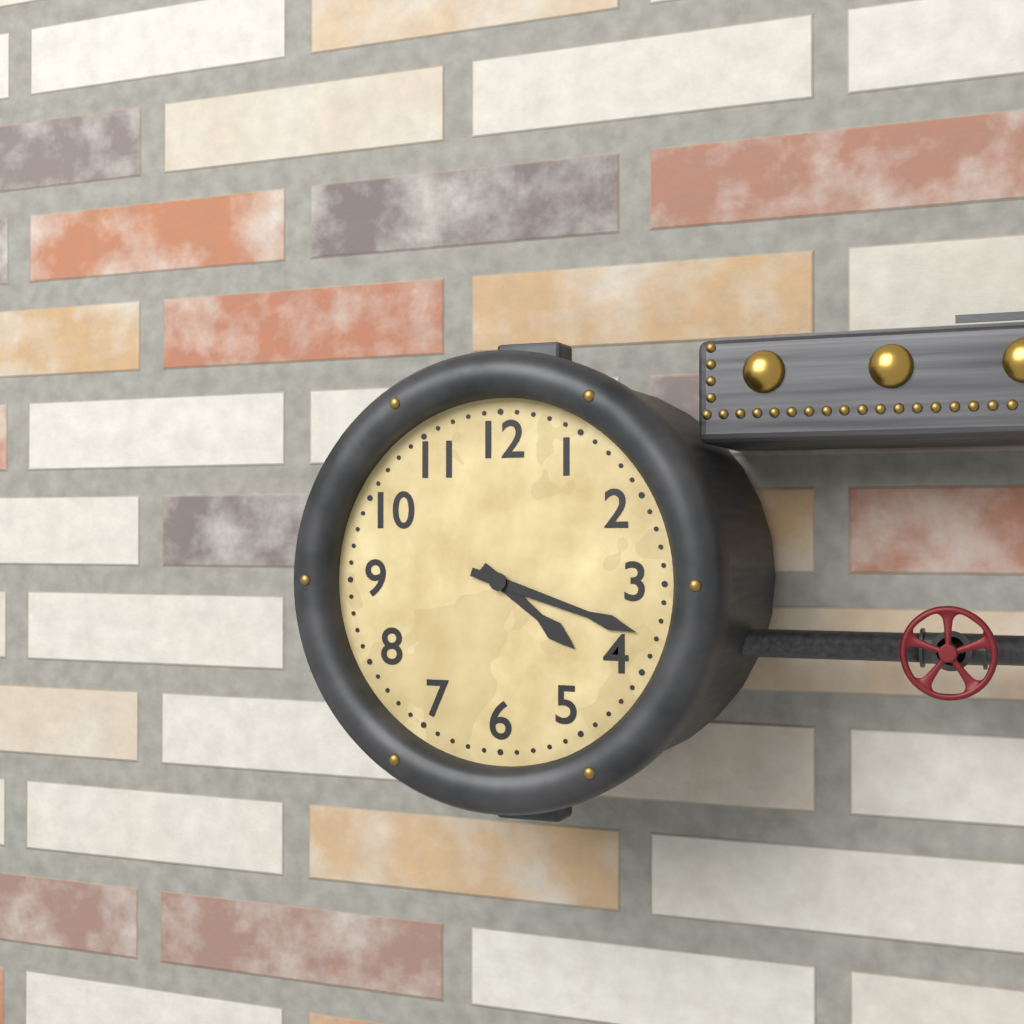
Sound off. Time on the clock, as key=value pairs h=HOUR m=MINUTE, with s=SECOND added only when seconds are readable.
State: h=4 m=18
